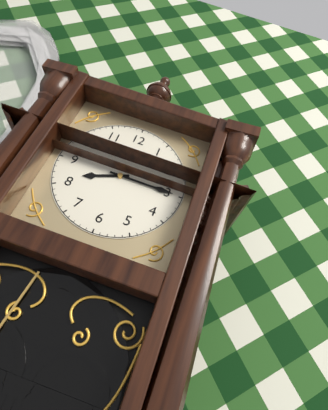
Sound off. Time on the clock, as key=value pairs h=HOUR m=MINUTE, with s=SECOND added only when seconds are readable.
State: h=8 m=15
